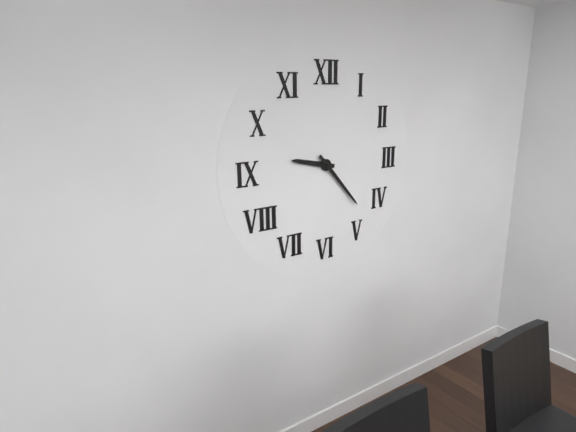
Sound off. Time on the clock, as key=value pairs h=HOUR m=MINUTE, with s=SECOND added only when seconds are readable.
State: h=9 m=23
